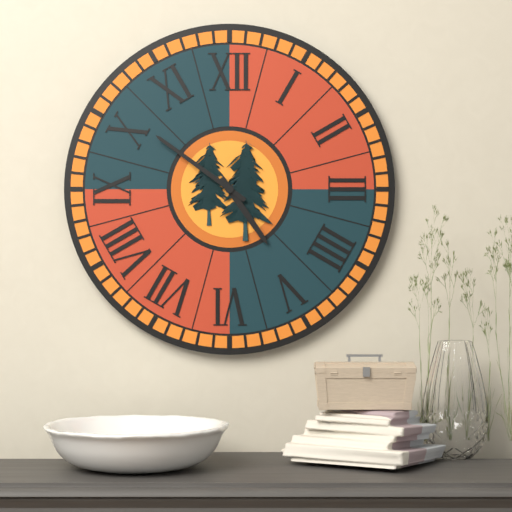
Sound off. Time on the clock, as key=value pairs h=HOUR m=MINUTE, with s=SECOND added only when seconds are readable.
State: h=4 m=51
